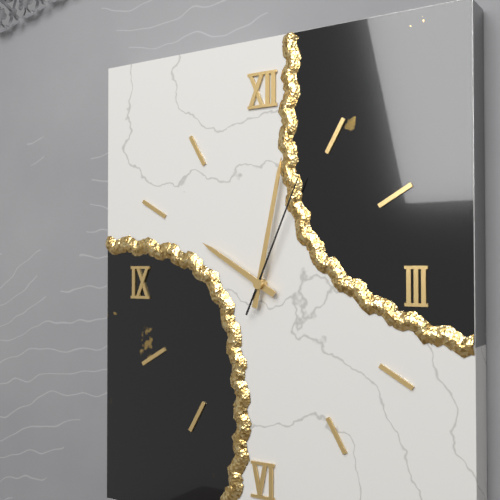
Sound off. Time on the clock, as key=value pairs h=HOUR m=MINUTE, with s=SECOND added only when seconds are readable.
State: h=10 m=2 s=4
